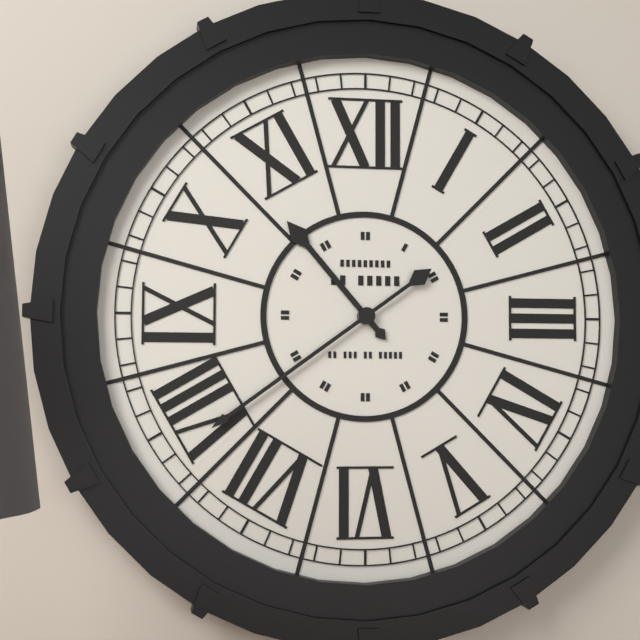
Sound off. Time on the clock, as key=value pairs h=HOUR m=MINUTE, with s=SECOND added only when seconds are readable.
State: h=10 m=39
